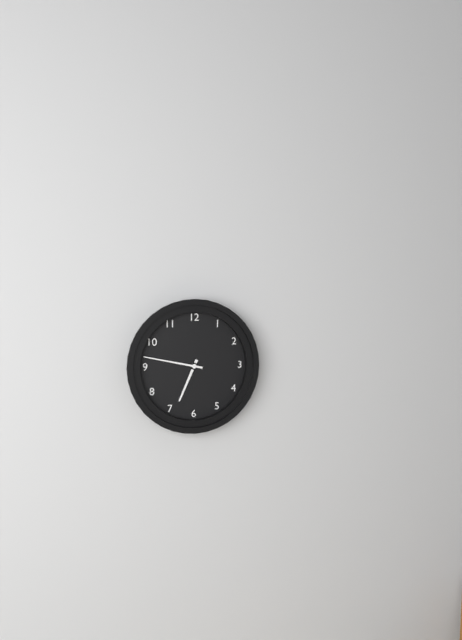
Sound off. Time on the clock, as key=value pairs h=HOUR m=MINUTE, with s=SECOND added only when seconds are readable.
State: h=6 m=47
